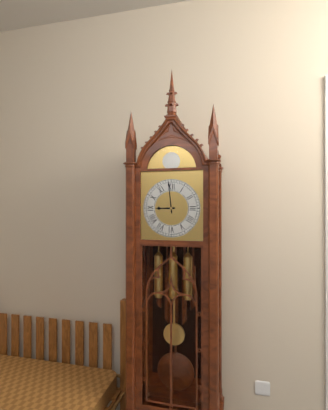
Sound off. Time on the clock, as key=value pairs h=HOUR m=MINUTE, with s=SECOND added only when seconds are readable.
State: h=8 m=59
